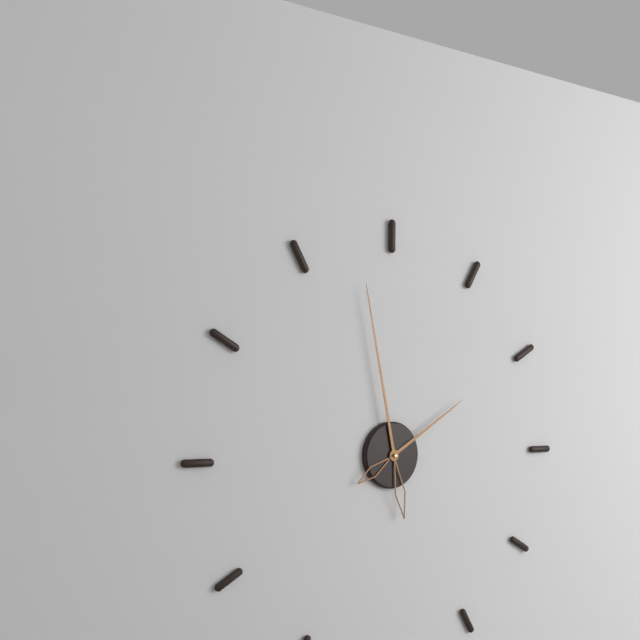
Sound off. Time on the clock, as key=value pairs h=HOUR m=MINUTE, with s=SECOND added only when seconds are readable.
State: h=1 m=58
